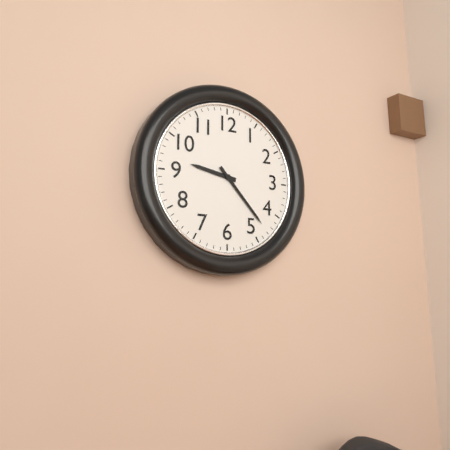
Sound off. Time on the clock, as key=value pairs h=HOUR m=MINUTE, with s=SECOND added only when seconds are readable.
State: h=9 m=23
